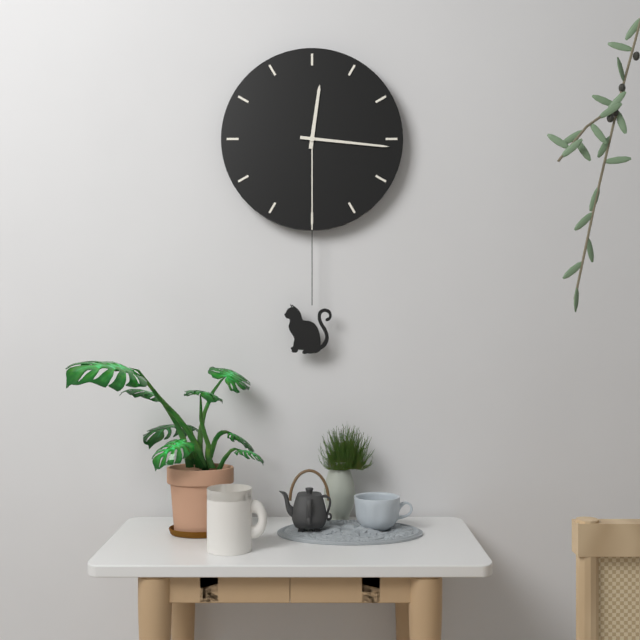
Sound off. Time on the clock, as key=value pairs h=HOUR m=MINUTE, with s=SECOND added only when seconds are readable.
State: h=12 m=16
